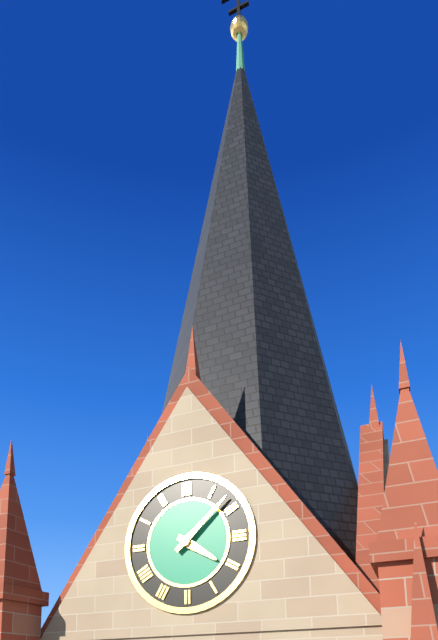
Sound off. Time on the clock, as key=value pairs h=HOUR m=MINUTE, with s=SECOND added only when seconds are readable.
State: h=4 m=8
